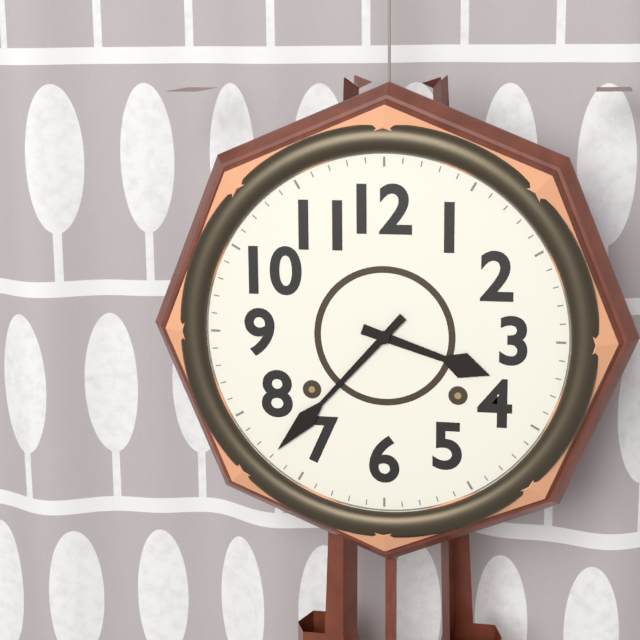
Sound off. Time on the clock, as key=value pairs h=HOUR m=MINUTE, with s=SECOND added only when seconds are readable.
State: h=3 m=37
